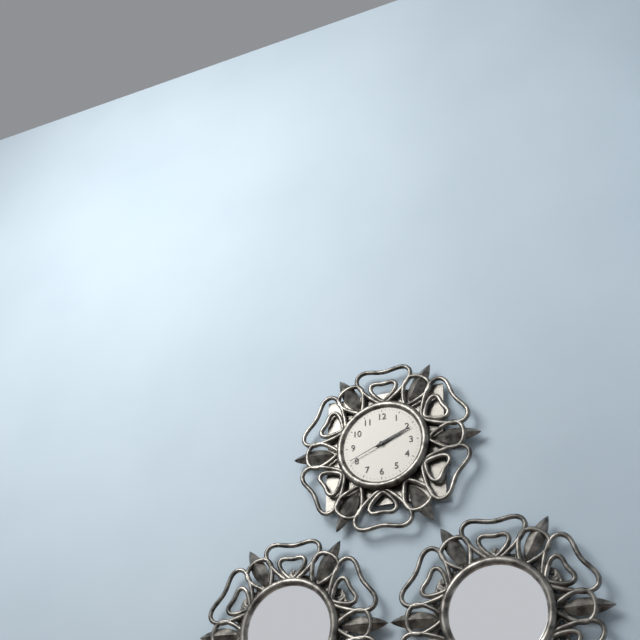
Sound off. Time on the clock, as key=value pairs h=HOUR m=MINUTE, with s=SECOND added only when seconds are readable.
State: h=2 m=11
